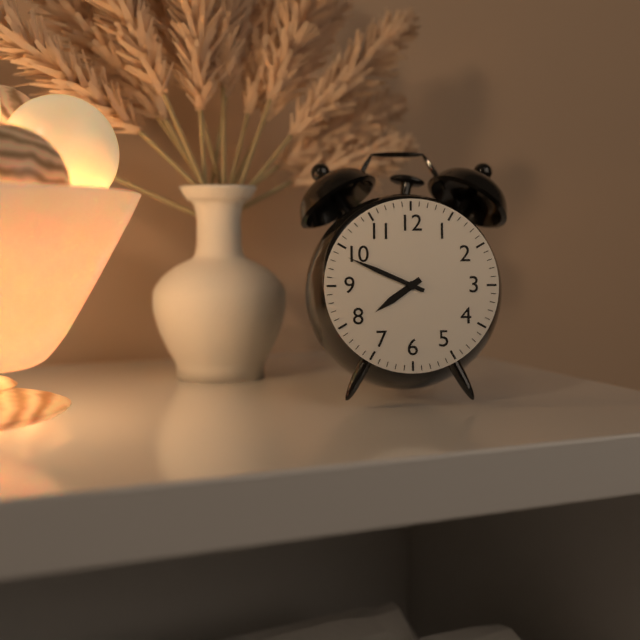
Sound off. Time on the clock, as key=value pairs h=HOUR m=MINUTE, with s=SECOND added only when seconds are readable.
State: h=7 m=49
